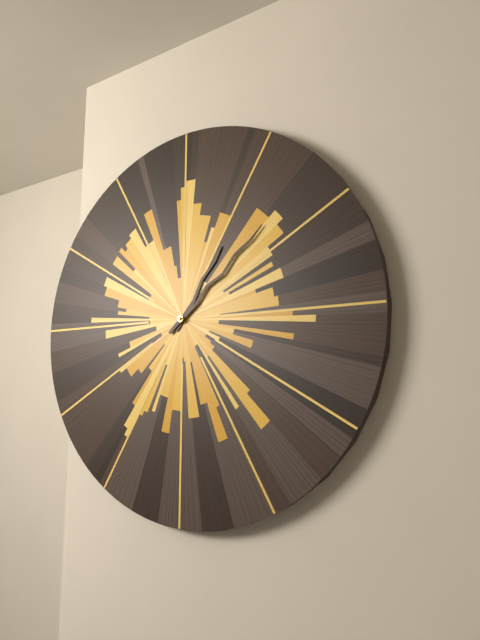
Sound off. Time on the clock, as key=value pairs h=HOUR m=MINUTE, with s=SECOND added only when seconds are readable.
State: h=1 m=8
